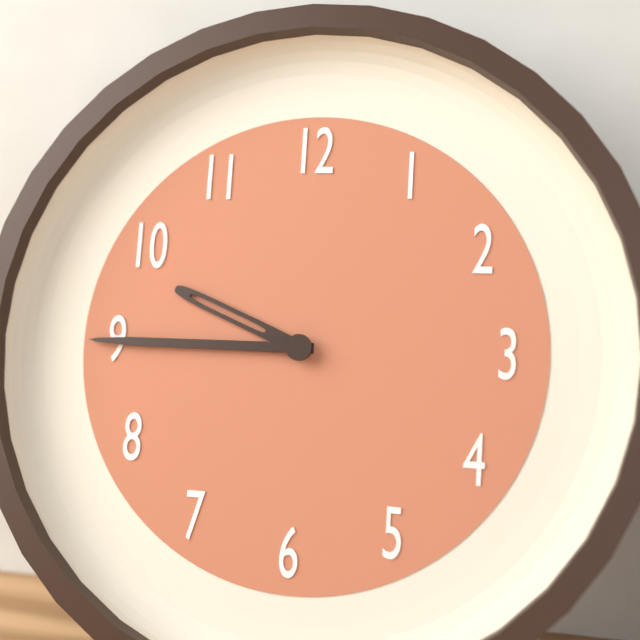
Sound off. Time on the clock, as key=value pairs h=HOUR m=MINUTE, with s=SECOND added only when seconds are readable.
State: h=9 m=45
